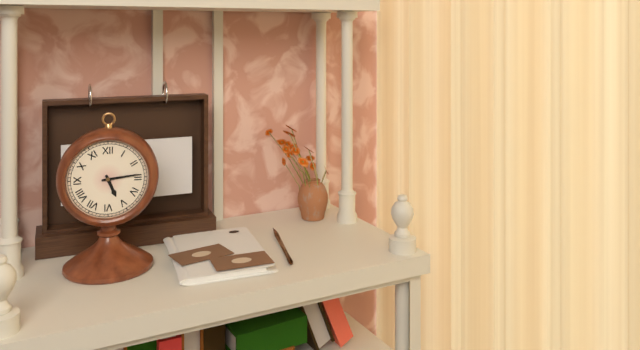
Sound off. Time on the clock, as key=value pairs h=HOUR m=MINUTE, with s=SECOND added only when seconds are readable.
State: h=5 m=14
